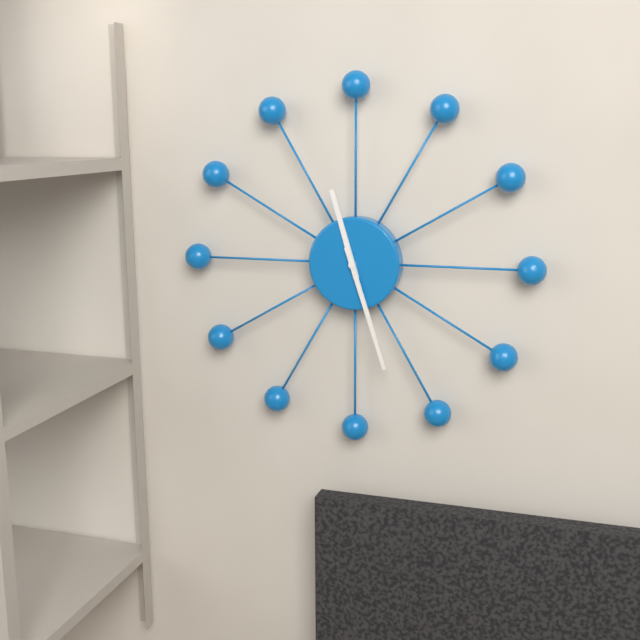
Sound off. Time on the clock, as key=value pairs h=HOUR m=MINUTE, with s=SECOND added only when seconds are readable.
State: h=11 m=27
